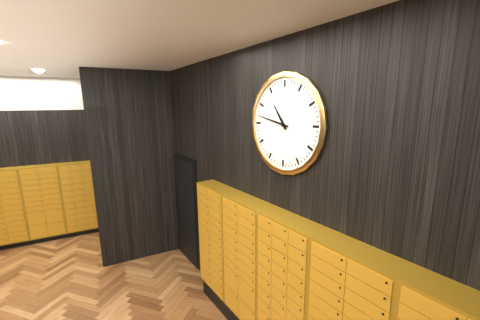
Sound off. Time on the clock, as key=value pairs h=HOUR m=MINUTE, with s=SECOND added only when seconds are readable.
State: h=10 m=47
